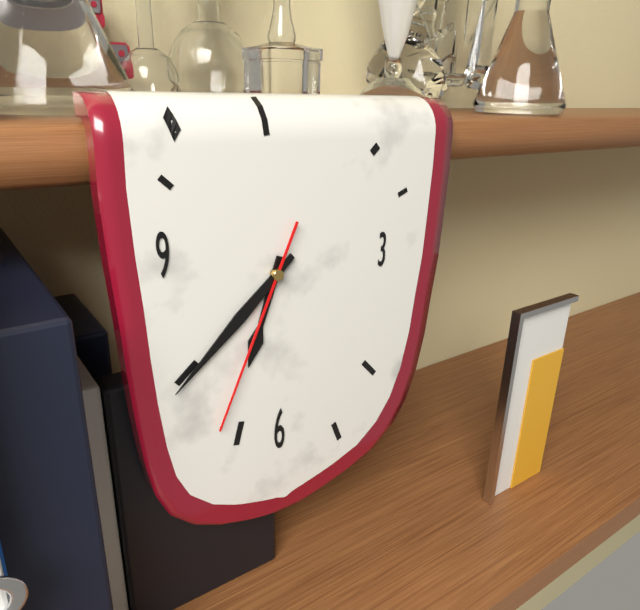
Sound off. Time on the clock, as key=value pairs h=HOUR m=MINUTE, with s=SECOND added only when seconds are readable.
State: h=6 m=38 s=34
